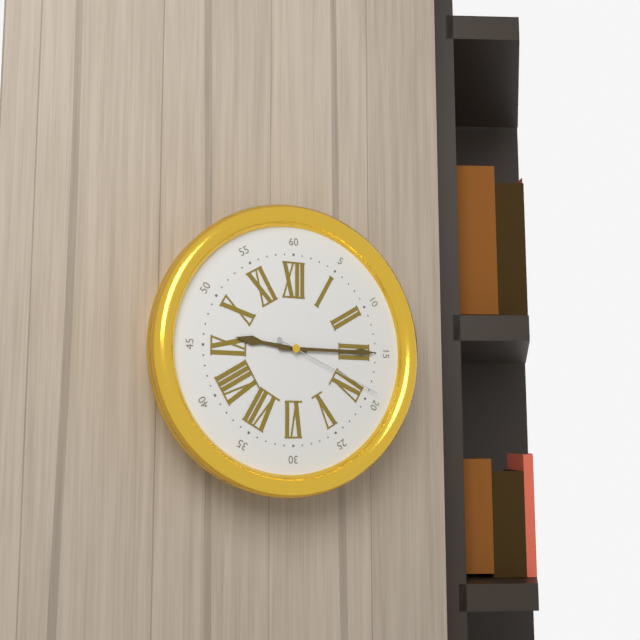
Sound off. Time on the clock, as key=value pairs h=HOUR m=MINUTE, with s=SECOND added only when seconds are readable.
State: h=9 m=15 s=19
